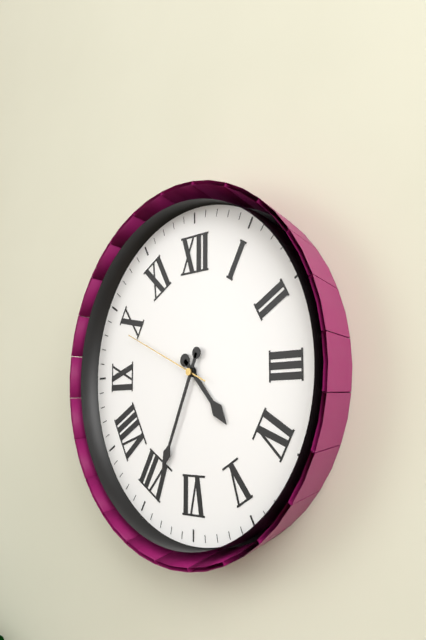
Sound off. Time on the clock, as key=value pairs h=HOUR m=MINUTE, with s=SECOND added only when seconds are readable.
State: h=4 m=34 s=49
